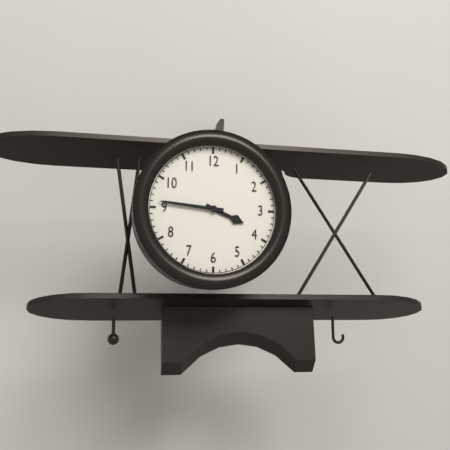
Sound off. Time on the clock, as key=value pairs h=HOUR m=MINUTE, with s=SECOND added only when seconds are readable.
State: h=3 m=46
